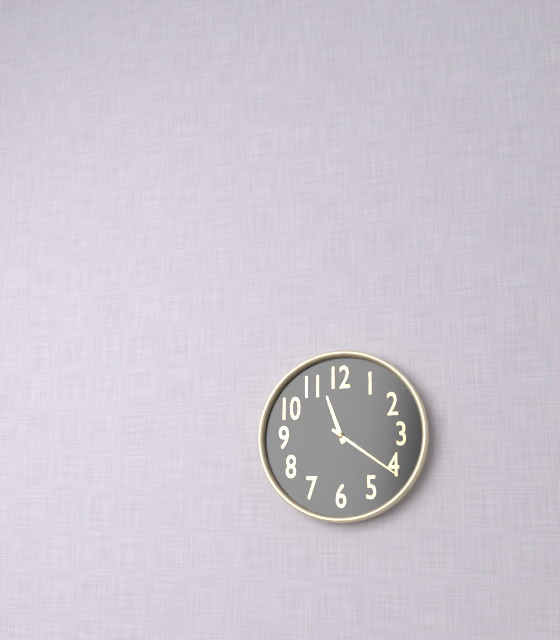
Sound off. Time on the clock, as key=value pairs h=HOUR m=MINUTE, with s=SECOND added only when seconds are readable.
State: h=11 m=21
